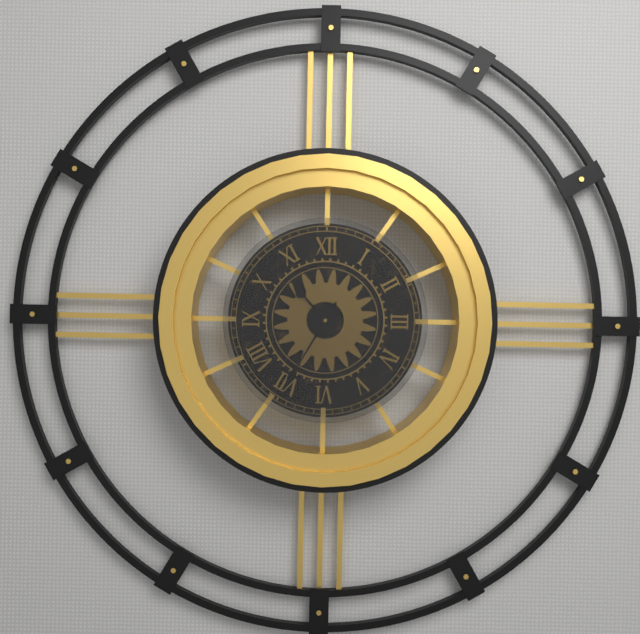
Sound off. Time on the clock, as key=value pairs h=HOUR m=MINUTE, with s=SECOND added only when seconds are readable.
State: h=10 m=35
